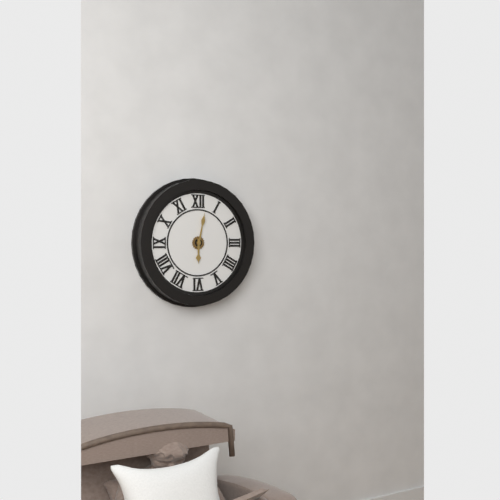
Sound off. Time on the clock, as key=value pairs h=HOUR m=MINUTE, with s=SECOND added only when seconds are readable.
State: h=6 m=2
